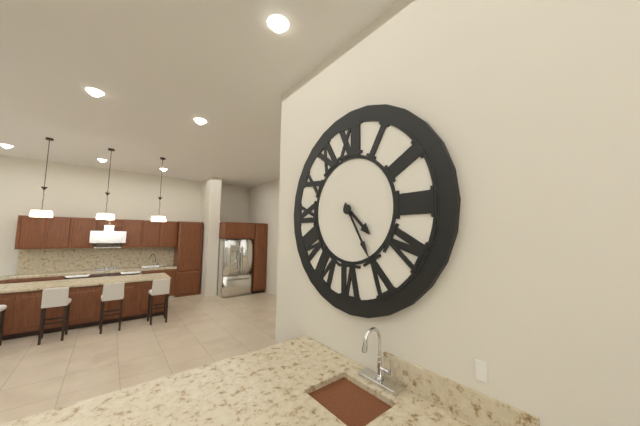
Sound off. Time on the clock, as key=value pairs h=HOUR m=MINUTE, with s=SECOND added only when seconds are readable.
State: h=4 m=25
